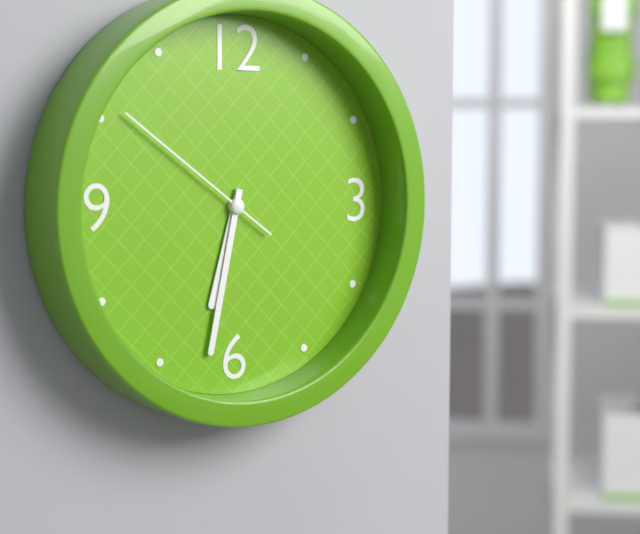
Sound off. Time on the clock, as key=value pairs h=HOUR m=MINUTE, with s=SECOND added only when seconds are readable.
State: h=6 m=32 s=51
